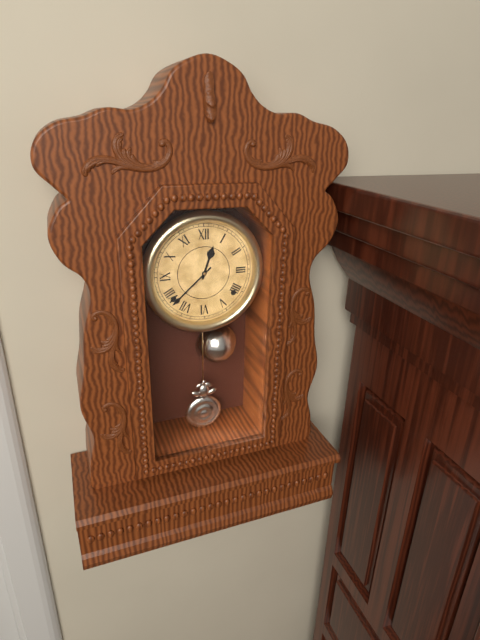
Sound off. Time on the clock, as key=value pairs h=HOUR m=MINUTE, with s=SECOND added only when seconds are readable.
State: h=12 m=38
